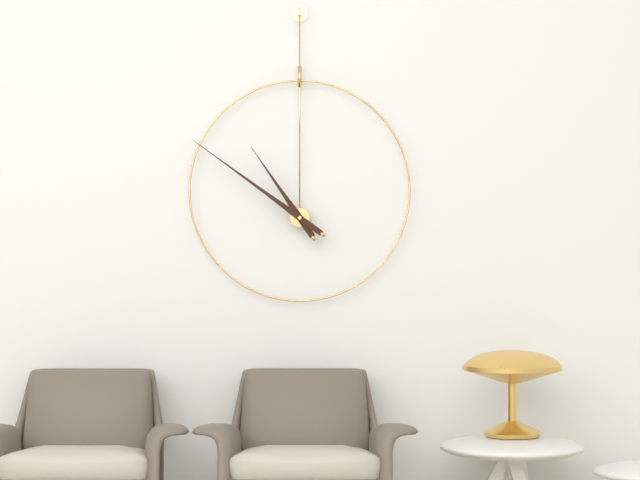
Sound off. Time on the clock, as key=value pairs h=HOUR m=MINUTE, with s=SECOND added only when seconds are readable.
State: h=10 m=51
